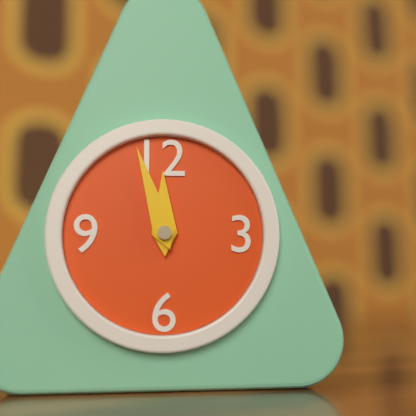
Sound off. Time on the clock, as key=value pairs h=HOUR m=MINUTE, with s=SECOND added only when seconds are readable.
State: h=11 m=57
